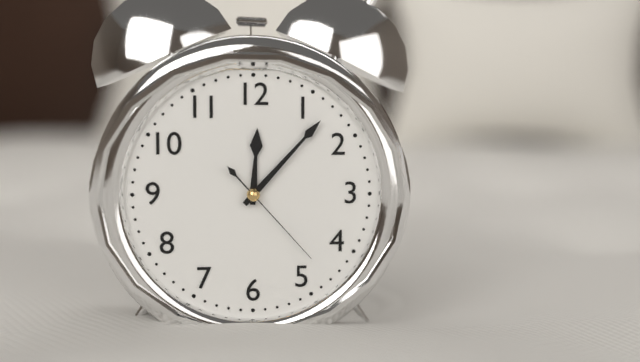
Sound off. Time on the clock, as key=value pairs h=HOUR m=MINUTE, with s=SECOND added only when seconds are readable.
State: h=12 m=7 s=23
